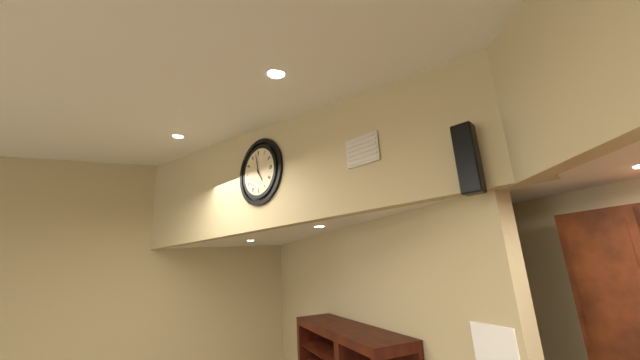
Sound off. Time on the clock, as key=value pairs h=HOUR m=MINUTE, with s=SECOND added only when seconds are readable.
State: h=4 m=58
